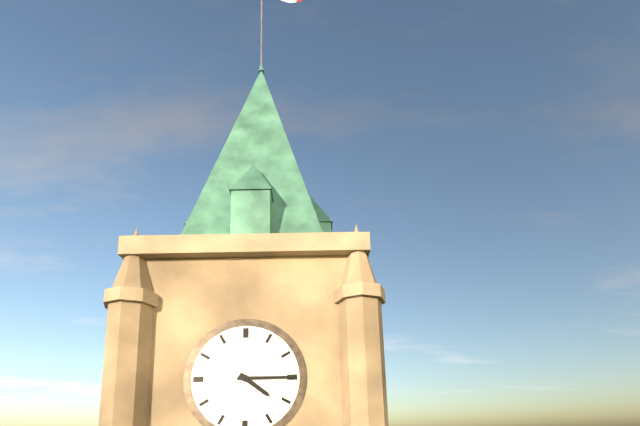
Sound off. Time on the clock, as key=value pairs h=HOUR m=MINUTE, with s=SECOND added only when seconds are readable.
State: h=4 m=15
